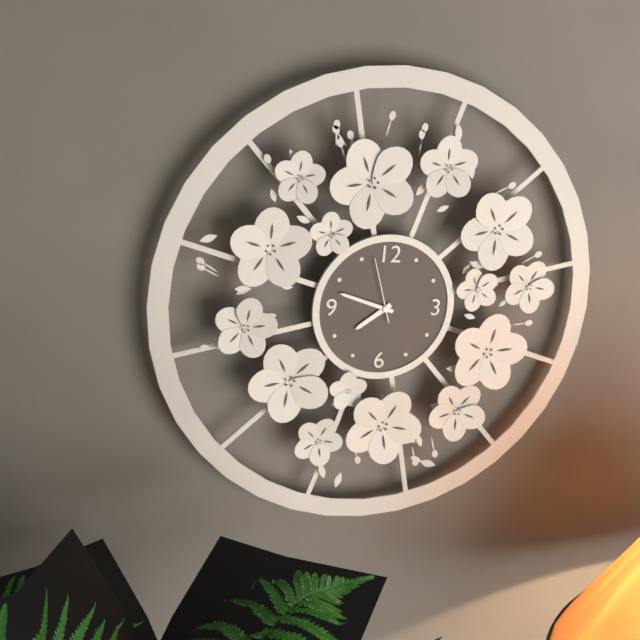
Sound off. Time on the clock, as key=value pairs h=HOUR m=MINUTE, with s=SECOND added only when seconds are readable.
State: h=7 m=48 s=57
